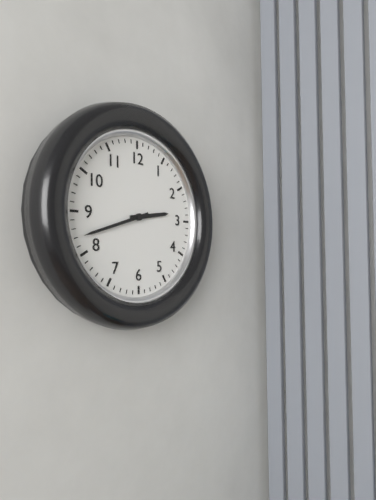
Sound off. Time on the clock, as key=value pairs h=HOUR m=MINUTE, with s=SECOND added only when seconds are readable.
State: h=2 m=42
